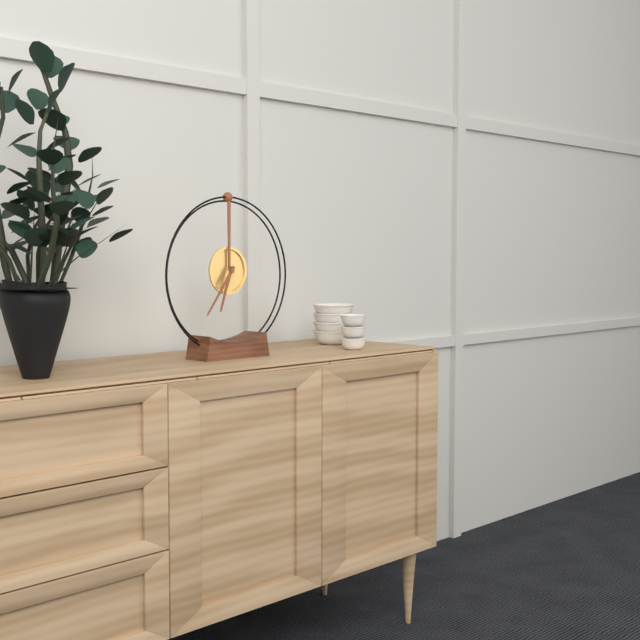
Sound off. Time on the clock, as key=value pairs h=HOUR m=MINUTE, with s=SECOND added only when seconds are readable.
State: h=6 m=36
